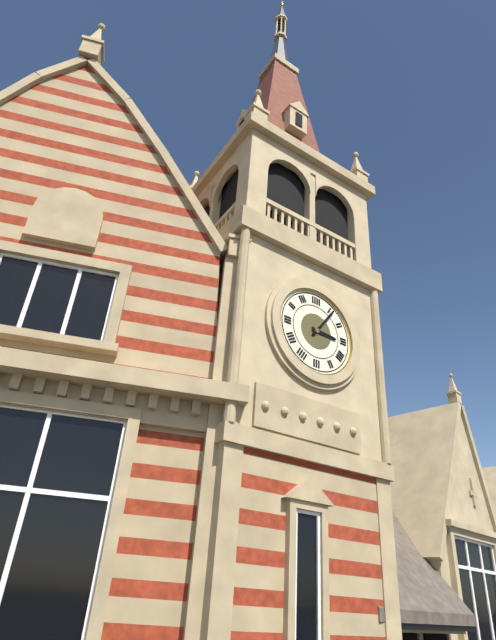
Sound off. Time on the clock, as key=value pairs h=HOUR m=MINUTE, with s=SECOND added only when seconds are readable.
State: h=3 m=6
